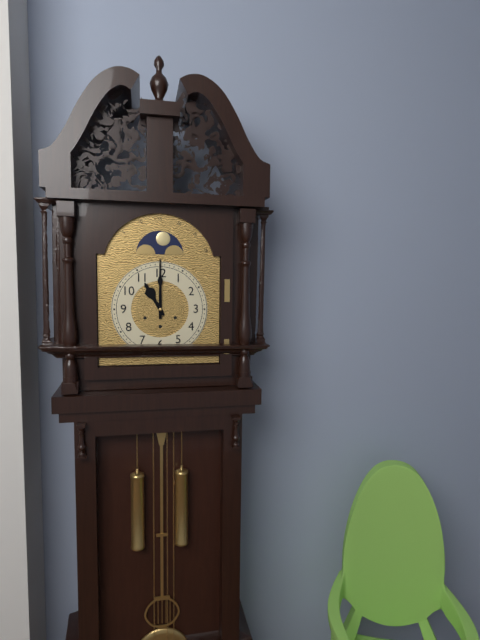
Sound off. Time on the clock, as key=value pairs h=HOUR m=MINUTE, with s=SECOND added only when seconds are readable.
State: h=11 m=0
